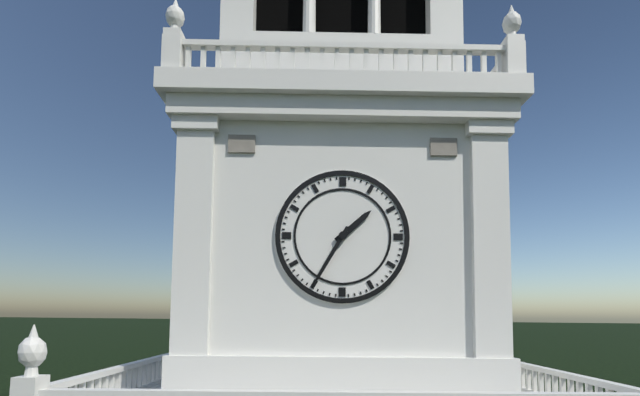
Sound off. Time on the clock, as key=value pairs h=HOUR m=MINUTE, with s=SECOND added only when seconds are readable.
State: h=1 m=35
